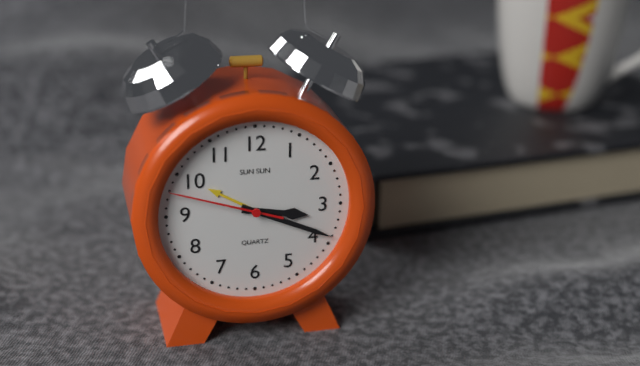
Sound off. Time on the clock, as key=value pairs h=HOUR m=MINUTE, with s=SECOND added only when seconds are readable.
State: h=3 m=19 s=48
